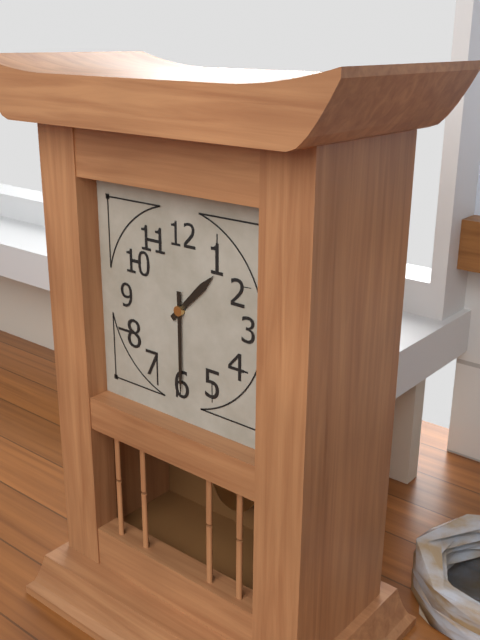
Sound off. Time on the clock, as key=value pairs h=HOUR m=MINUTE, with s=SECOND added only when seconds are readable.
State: h=1 m=30
